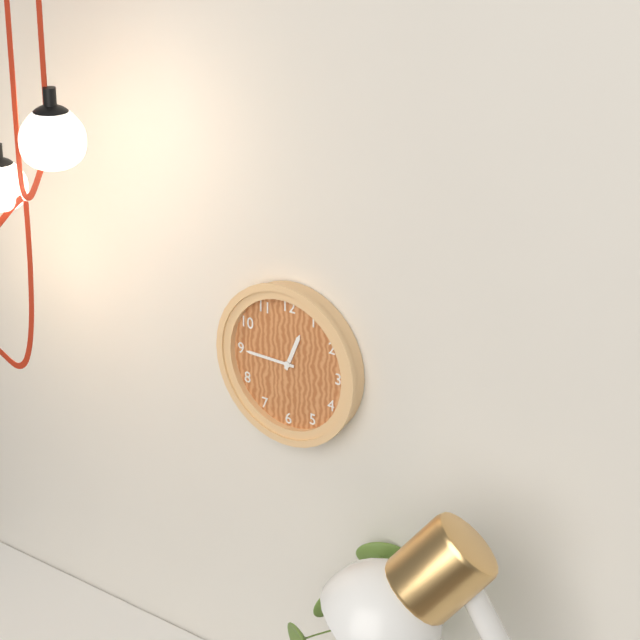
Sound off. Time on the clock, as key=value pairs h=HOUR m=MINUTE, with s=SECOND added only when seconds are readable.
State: h=12 m=45
